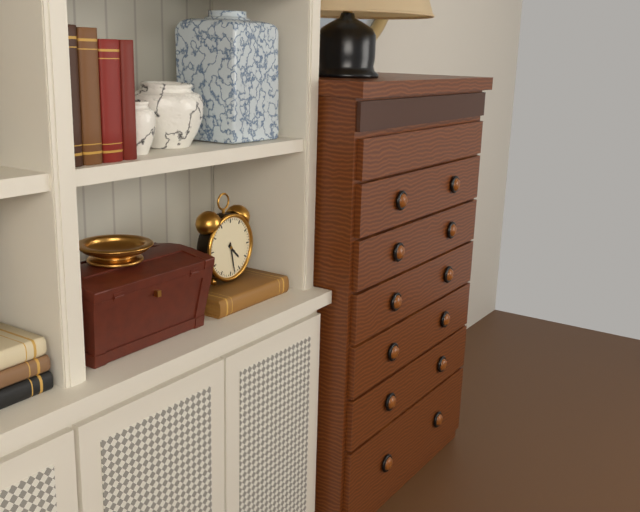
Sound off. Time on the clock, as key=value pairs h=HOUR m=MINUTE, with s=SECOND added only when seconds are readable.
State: h=4 m=28
